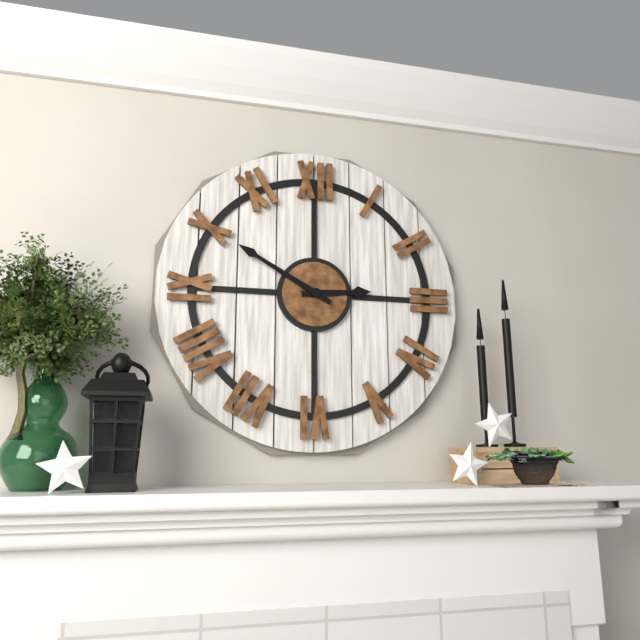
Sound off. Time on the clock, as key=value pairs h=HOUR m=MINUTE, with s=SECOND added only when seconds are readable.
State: h=2 m=50
